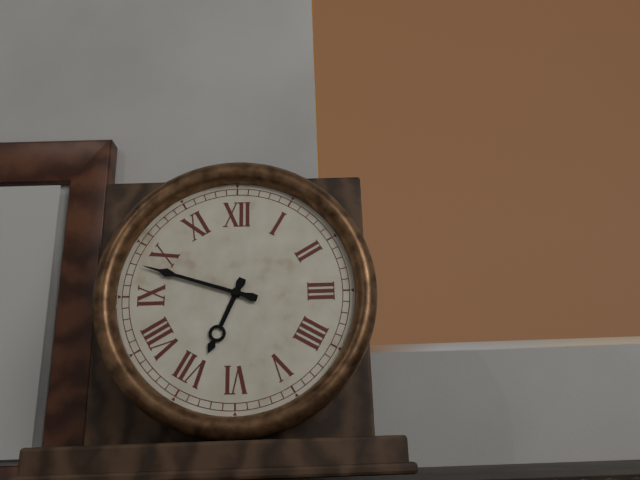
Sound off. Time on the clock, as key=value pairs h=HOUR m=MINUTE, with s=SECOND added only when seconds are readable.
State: h=6 m=48
